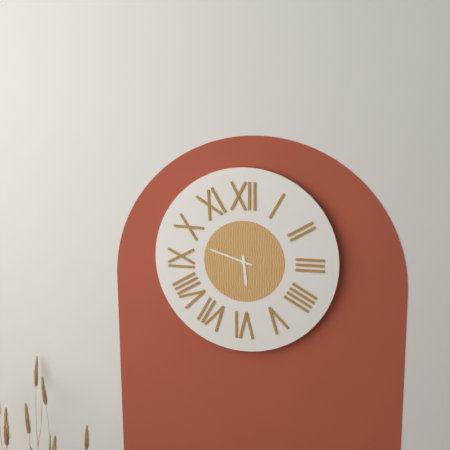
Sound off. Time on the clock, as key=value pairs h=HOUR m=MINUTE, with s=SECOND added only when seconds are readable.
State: h=5 m=48
